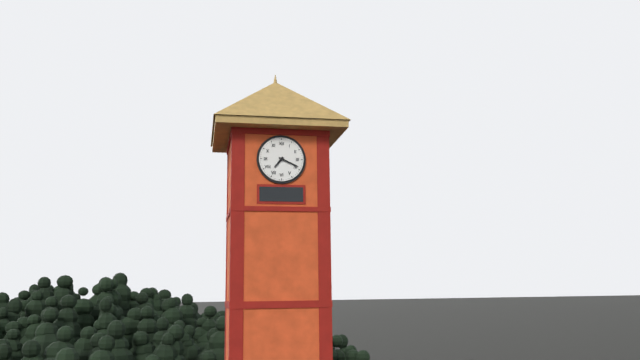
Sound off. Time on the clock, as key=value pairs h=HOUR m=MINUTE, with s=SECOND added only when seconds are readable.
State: h=7 m=19
